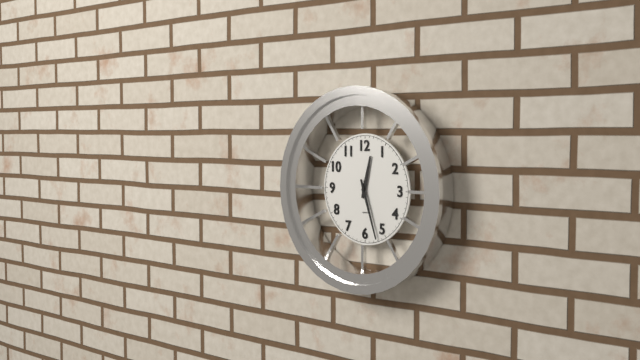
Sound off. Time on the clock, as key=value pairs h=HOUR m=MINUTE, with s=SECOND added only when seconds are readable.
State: h=12 m=27
